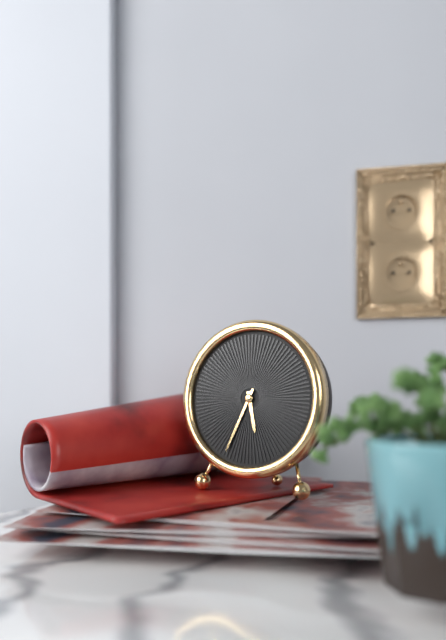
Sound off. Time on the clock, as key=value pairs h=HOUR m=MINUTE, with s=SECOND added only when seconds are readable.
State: h=5 m=34
